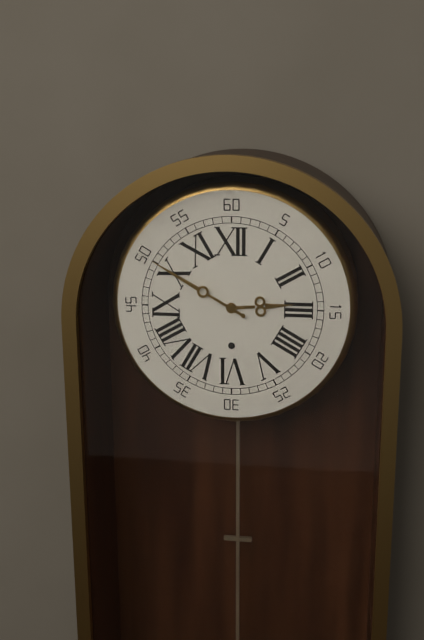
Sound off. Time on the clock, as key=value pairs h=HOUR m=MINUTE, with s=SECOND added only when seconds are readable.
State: h=2 m=50
